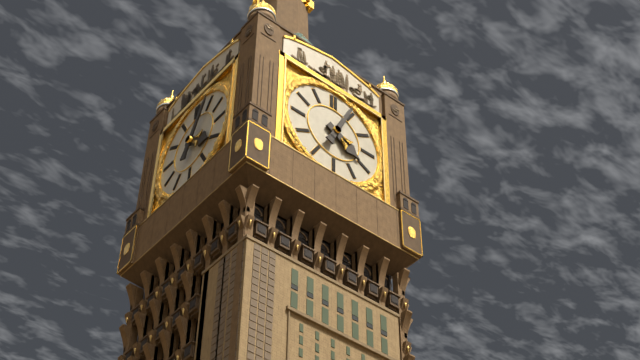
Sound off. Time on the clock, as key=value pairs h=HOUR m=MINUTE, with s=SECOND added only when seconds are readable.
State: h=4 m=4
